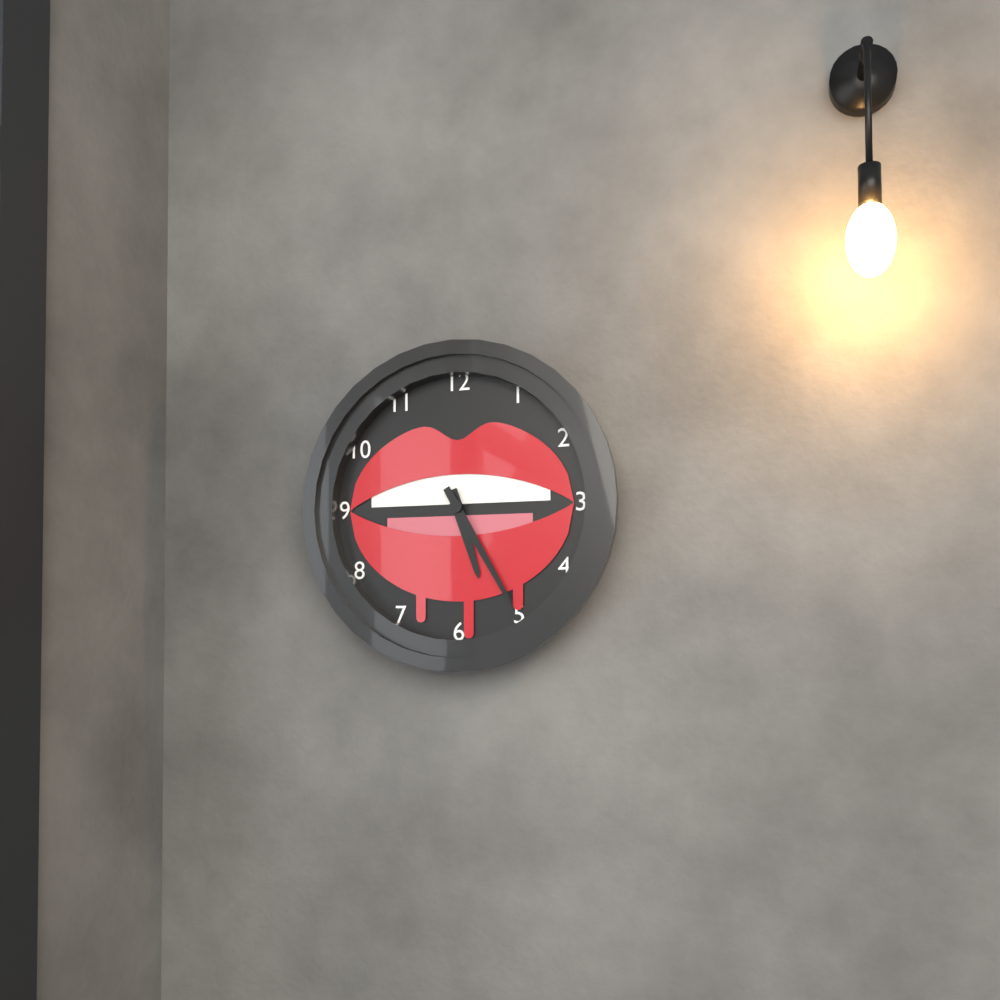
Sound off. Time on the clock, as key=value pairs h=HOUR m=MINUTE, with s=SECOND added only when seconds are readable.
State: h=5 m=25
